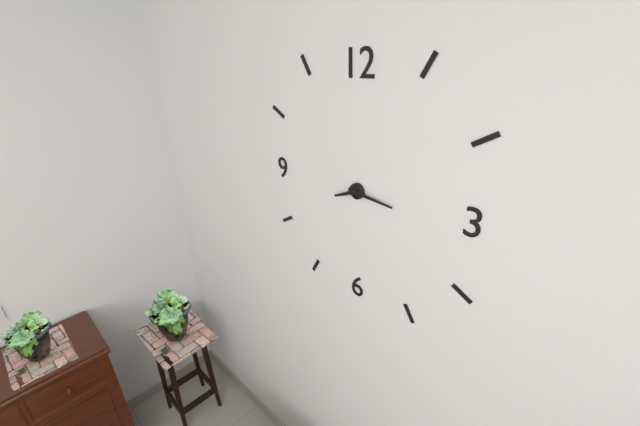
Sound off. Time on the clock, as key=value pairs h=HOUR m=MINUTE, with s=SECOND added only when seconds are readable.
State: h=8 m=16
